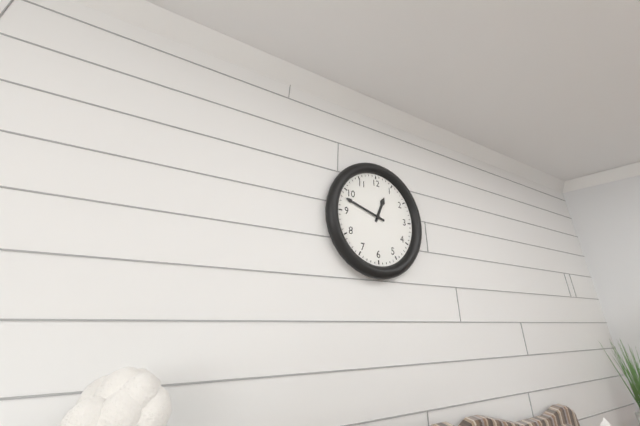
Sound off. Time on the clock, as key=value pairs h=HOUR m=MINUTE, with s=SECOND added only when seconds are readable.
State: h=12 m=48
